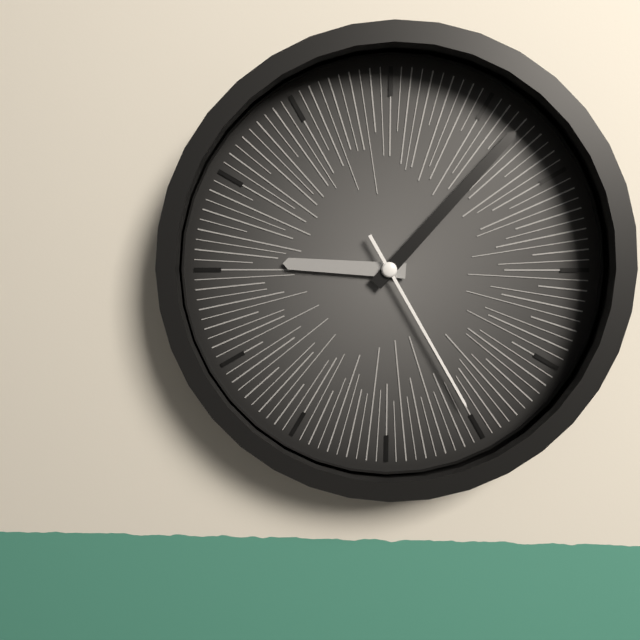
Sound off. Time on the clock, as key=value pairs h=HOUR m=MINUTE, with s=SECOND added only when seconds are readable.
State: h=9 m=7 s=25
